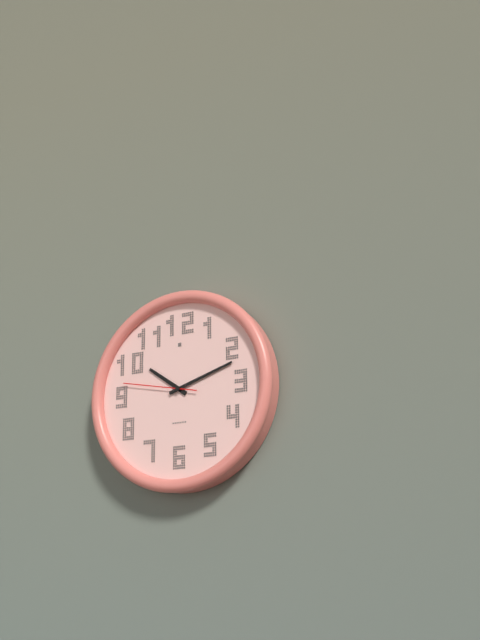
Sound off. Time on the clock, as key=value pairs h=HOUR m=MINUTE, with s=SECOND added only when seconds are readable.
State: h=10 m=12 s=47
